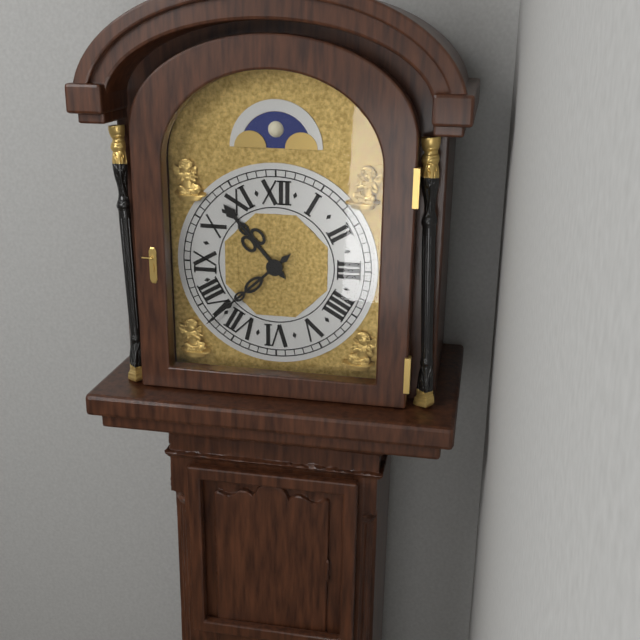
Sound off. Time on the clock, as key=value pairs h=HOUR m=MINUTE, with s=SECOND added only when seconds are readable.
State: h=10 m=38
